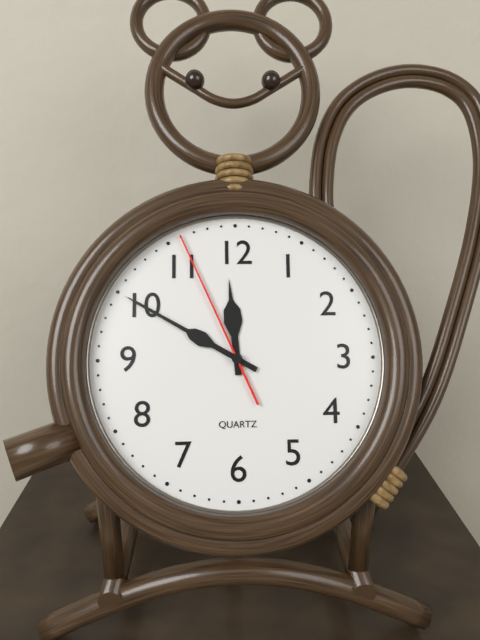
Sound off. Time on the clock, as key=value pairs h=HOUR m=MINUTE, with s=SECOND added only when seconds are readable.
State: h=11 m=50 s=56
